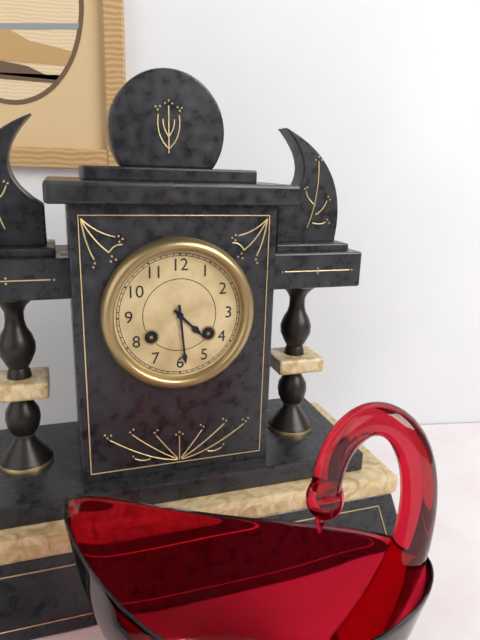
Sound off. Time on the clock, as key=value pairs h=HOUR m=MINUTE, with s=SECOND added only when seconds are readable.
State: h=4 m=29
